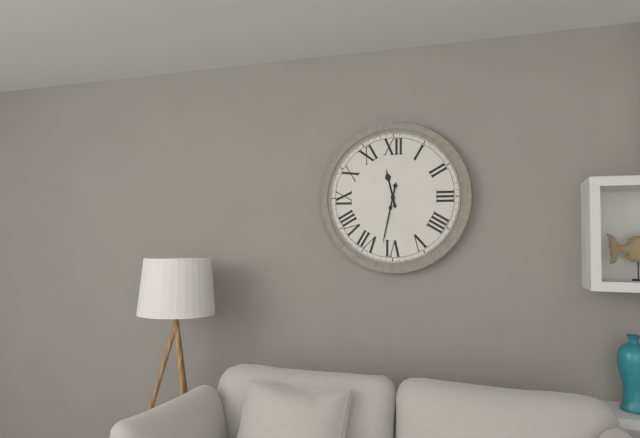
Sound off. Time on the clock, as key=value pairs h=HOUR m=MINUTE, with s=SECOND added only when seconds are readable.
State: h=11 m=32
